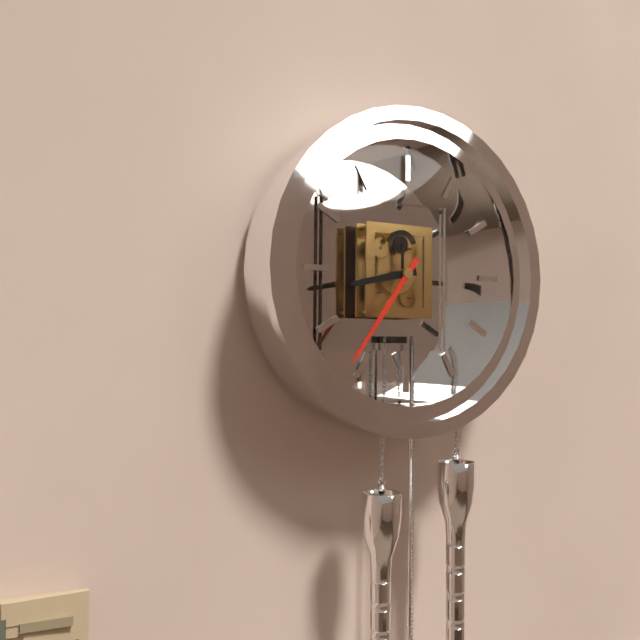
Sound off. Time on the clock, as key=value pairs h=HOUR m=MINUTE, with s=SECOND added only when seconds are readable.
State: h=8 m=36
